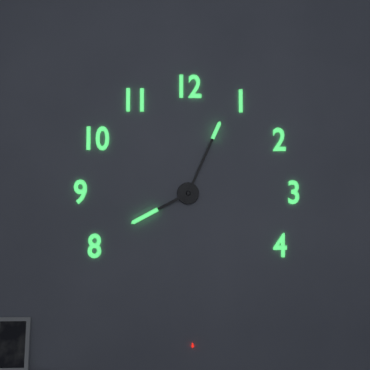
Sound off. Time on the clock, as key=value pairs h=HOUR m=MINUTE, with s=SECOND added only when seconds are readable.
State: h=8 m=4
